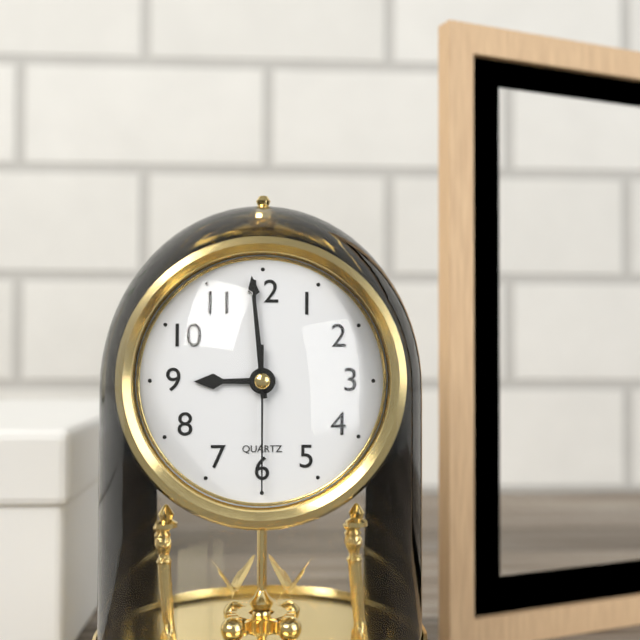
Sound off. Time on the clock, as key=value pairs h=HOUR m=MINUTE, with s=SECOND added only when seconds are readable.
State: h=8 m=59 s=30
